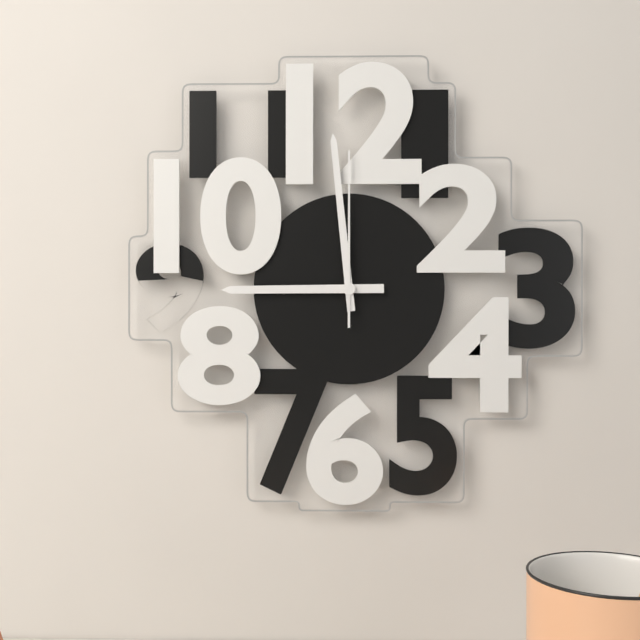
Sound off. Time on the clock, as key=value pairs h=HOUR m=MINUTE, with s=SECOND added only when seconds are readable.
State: h=8 m=59 s=0
